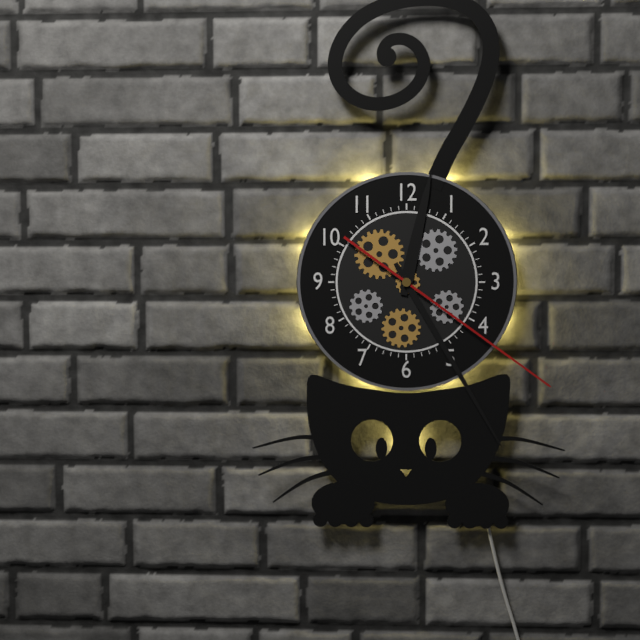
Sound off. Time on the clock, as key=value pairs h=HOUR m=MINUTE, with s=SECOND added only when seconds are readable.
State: h=12 m=25 s=21
